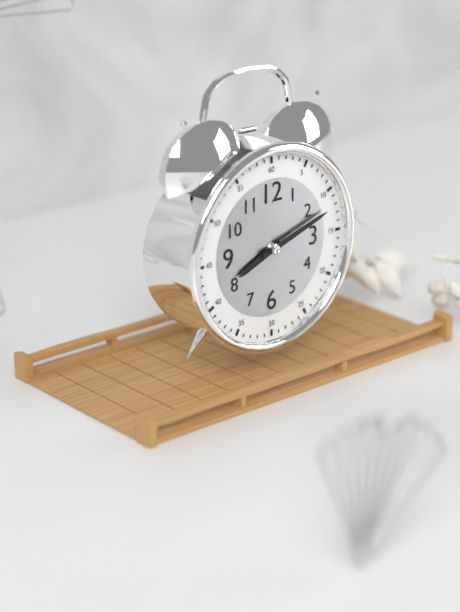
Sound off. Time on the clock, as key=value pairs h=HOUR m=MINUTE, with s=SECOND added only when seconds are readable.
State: h=8 m=12
